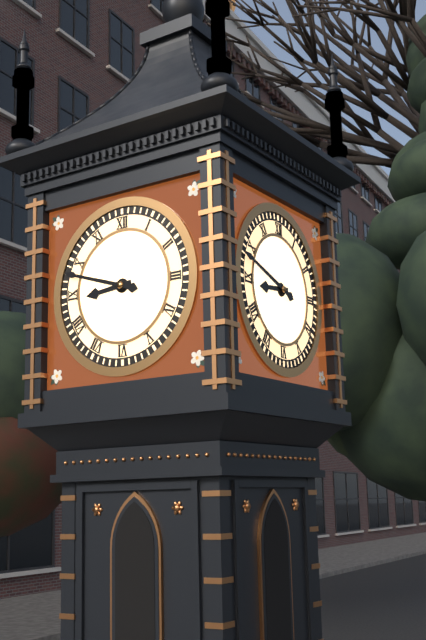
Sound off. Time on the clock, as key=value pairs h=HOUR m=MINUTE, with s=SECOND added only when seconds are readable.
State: h=8 m=48
